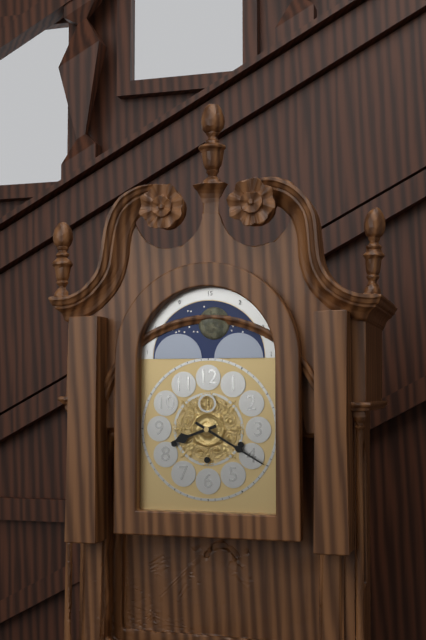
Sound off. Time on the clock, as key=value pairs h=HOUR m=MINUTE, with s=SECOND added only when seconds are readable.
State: h=8 m=20
